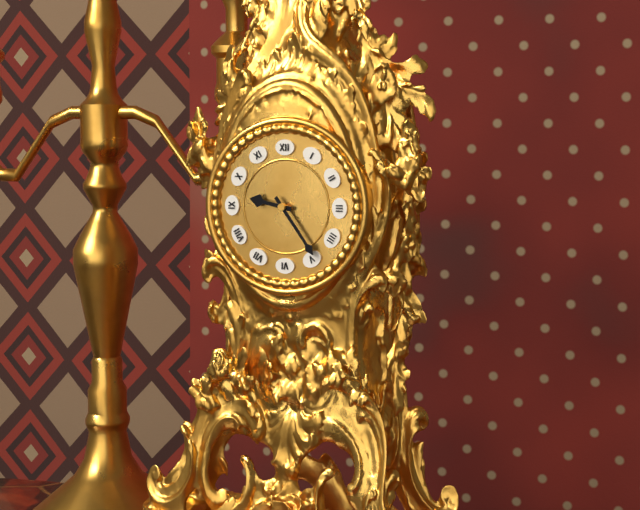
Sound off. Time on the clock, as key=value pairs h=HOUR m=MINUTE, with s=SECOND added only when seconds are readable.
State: h=9 m=24
